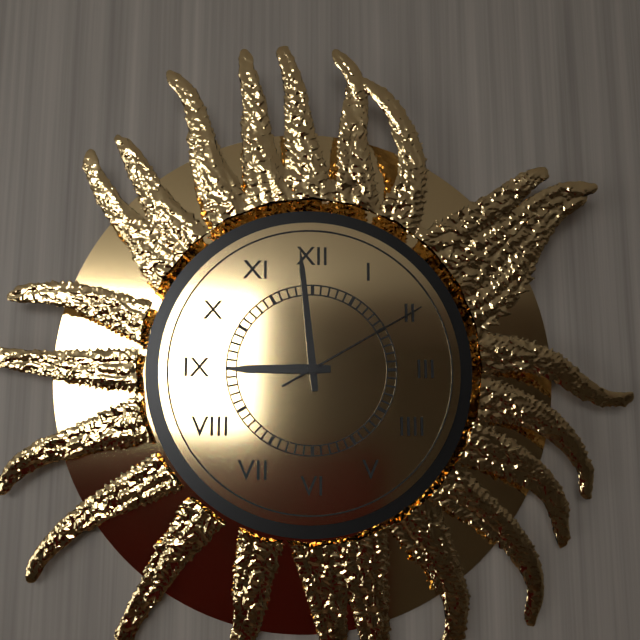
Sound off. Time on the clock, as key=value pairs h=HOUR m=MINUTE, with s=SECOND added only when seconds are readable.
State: h=8 m=59 s=10
